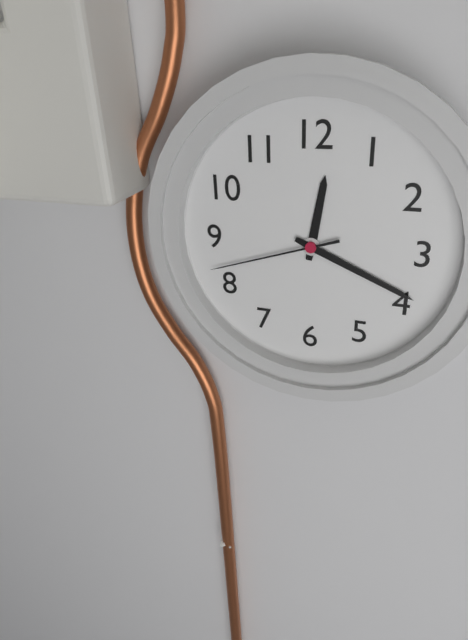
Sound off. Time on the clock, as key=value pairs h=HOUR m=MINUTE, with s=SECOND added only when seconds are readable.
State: h=12 m=19 s=42
